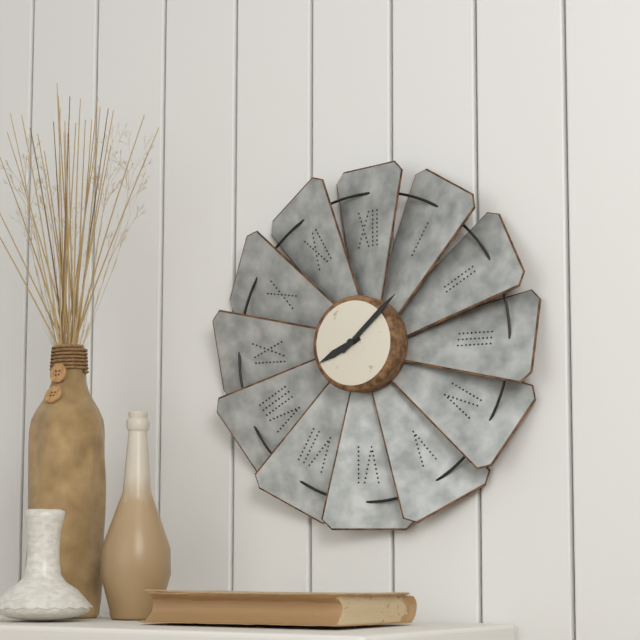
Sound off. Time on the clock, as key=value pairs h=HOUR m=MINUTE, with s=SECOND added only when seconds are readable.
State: h=8 m=8
